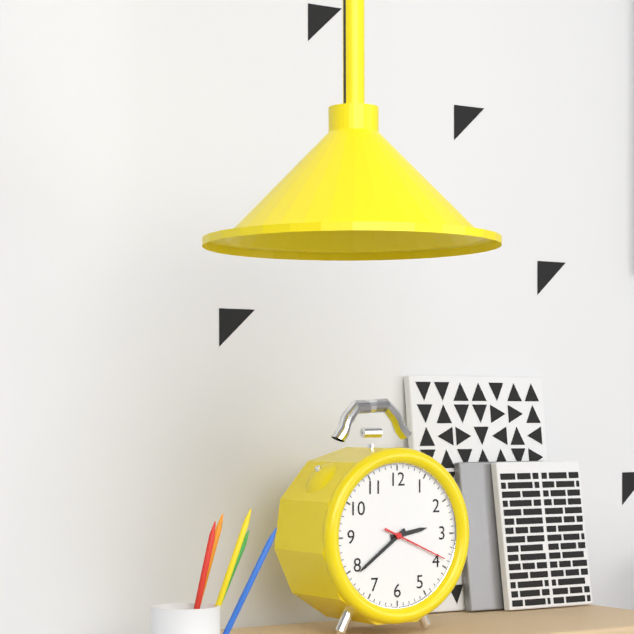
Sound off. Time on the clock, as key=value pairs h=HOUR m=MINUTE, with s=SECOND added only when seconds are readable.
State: h=2 m=39 s=19
